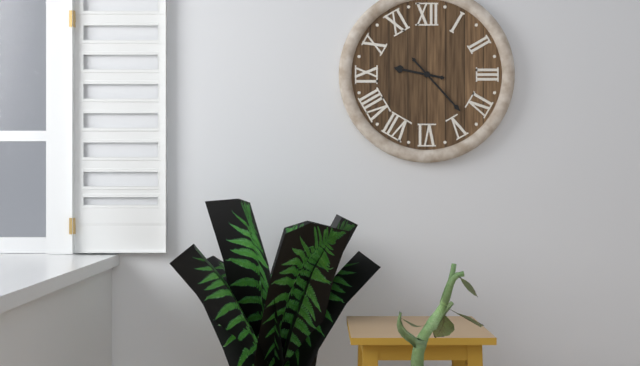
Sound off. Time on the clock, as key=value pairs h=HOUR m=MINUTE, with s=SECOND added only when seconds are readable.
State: h=9 m=23
